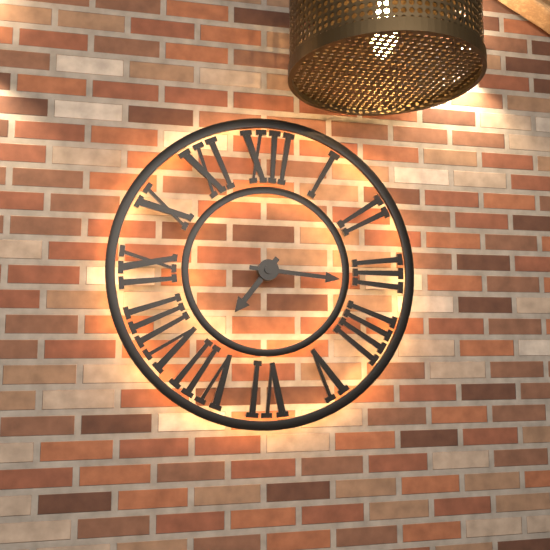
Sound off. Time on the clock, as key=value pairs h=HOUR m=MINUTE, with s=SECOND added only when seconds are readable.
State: h=7 m=16
